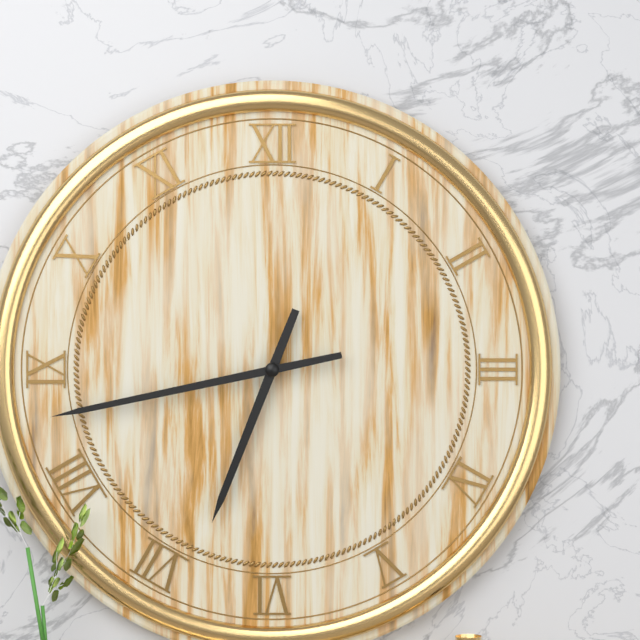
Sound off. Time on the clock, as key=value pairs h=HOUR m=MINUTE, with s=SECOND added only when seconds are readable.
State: h=6 m=43
